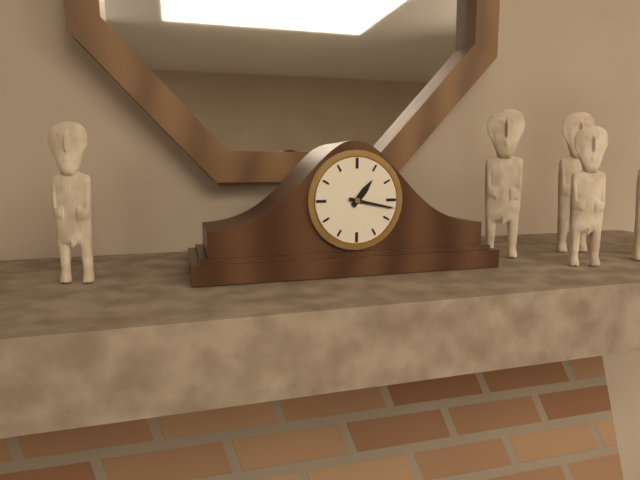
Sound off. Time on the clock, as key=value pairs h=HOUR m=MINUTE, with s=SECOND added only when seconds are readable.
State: h=1 m=17
